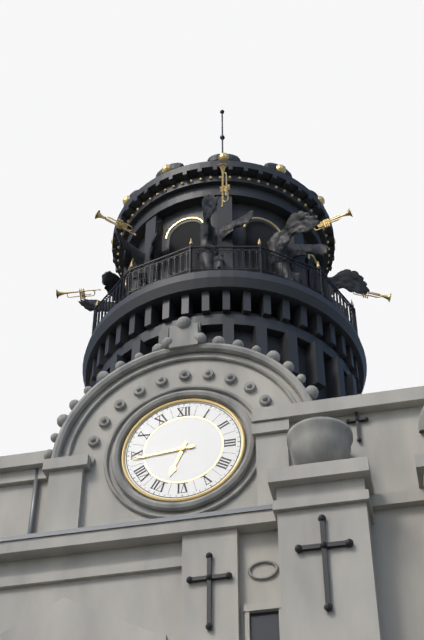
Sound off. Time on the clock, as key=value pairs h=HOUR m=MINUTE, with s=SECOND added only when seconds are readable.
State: h=6 m=44
